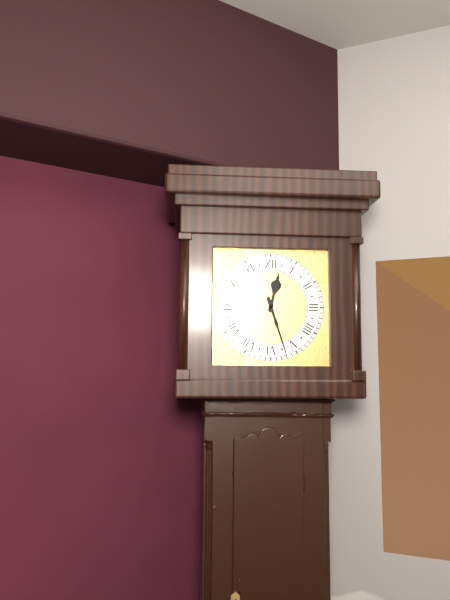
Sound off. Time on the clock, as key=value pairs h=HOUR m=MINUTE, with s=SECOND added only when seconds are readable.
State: h=12 m=27
